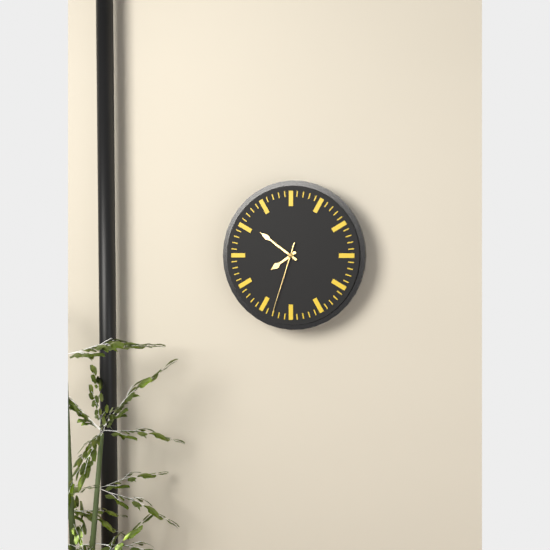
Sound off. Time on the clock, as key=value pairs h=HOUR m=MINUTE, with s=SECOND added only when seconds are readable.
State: h=7 m=51 s=33
